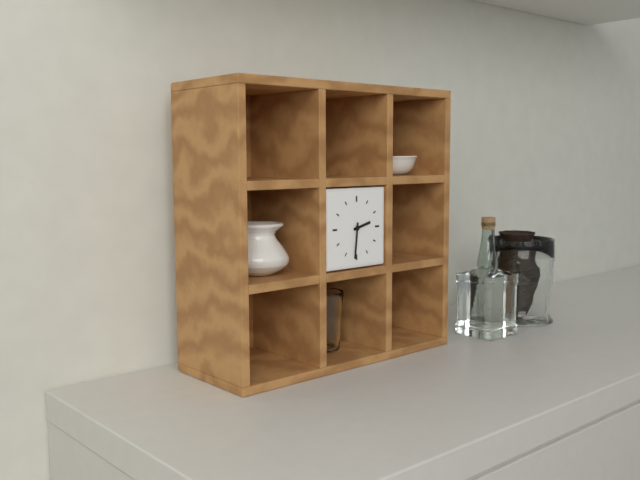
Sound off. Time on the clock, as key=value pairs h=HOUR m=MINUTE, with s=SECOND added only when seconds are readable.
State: h=2 m=31
